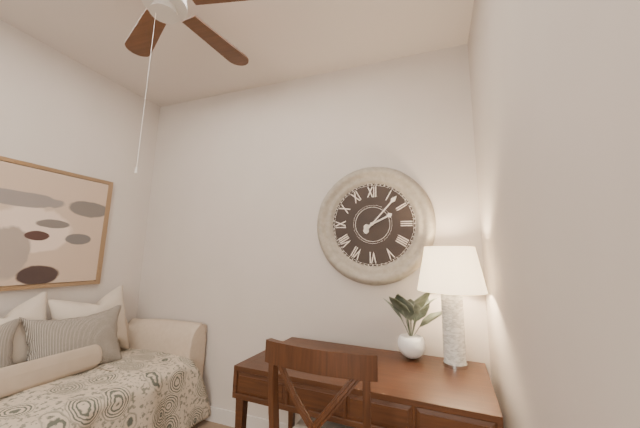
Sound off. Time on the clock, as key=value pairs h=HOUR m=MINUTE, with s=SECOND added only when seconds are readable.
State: h=2 m=7
